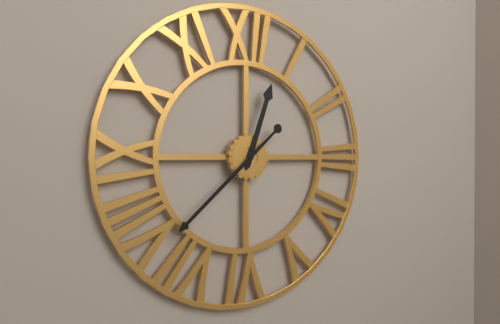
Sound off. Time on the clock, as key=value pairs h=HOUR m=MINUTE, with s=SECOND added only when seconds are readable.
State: h=12 m=38
